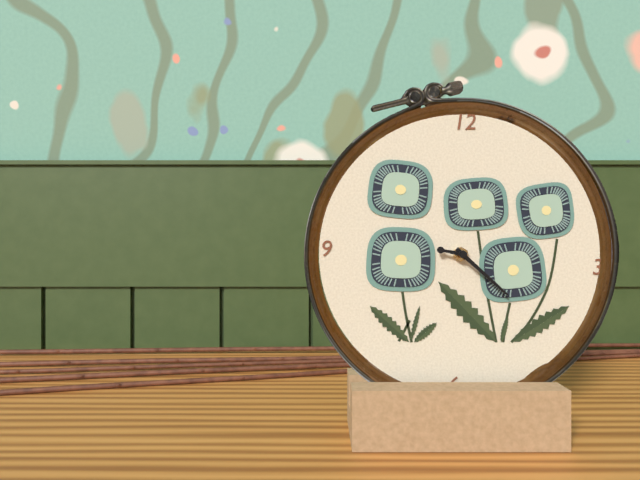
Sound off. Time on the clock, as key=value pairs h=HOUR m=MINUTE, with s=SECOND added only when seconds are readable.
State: h=9 m=22
